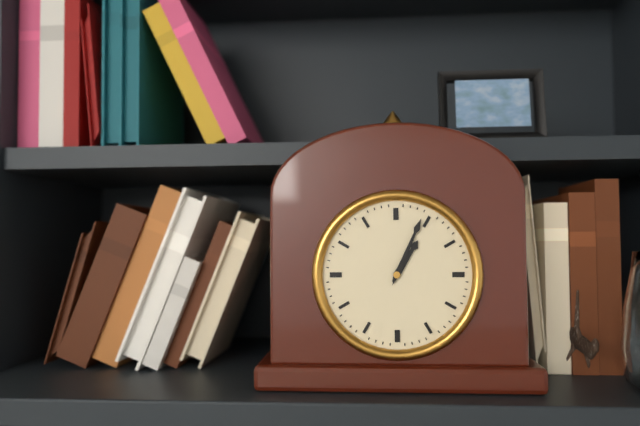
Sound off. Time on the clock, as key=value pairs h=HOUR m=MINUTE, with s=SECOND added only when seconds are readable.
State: h=1 m=4
